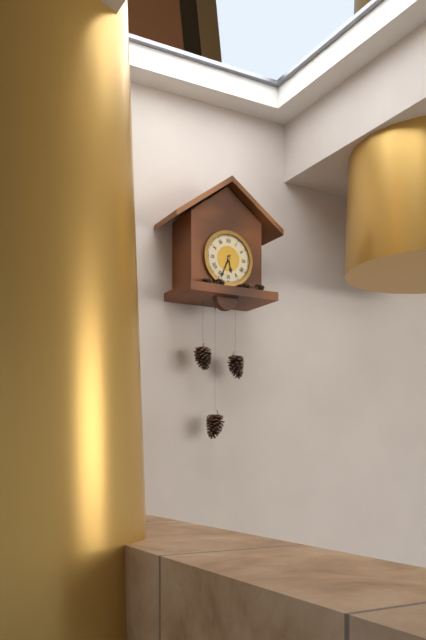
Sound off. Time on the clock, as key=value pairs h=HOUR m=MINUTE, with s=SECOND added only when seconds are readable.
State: h=5 m=34
